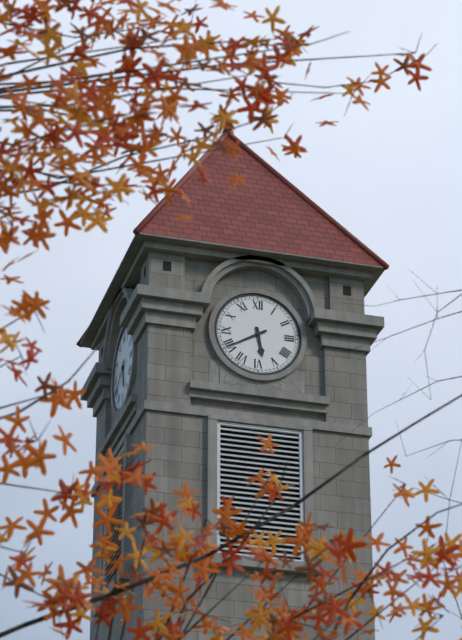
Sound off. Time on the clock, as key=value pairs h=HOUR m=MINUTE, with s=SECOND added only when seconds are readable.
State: h=5 m=40
